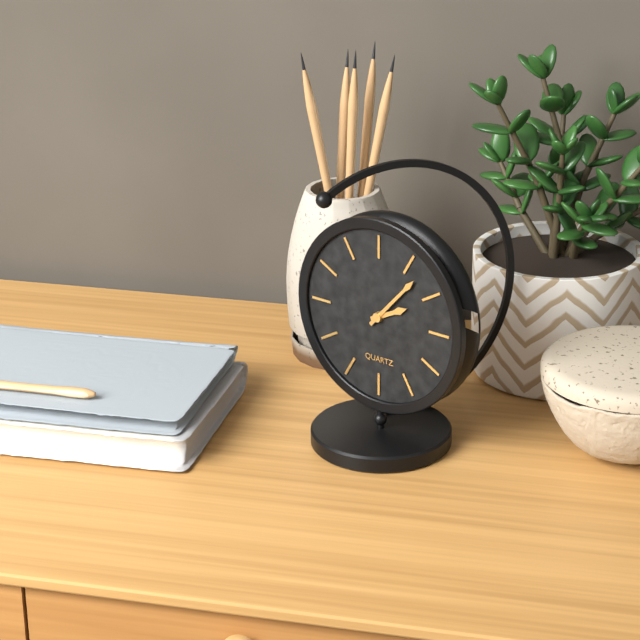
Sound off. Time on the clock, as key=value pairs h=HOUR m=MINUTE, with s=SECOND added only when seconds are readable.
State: h=2 m=7
